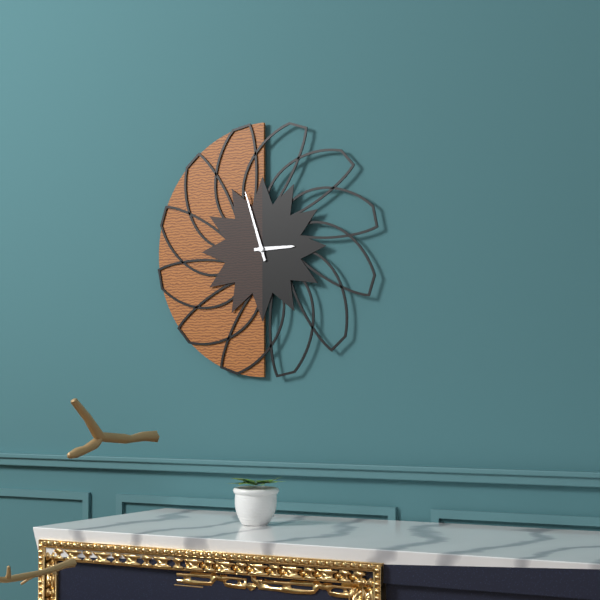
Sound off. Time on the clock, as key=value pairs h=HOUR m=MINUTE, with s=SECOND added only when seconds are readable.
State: h=2 m=57
